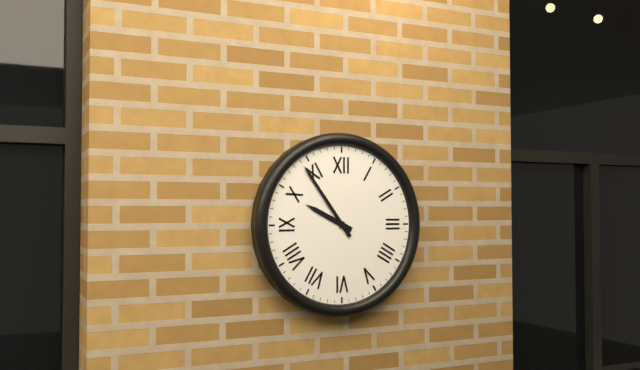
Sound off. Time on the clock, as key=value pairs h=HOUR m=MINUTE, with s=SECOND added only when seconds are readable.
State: h=9 m=54
